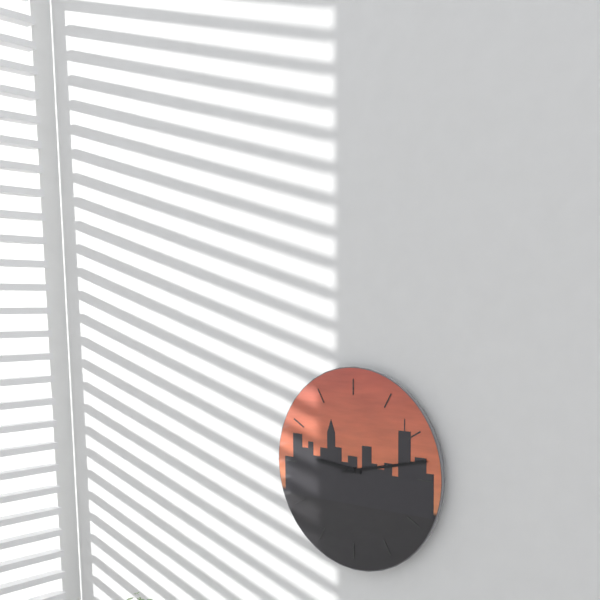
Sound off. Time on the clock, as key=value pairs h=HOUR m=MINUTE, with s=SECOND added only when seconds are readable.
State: h=9 m=13
